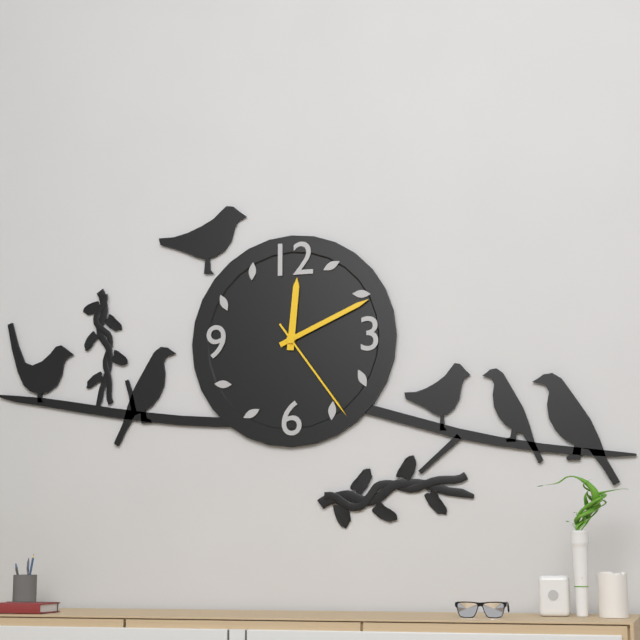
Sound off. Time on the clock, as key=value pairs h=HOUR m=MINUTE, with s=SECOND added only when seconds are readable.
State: h=12 m=11 s=24
